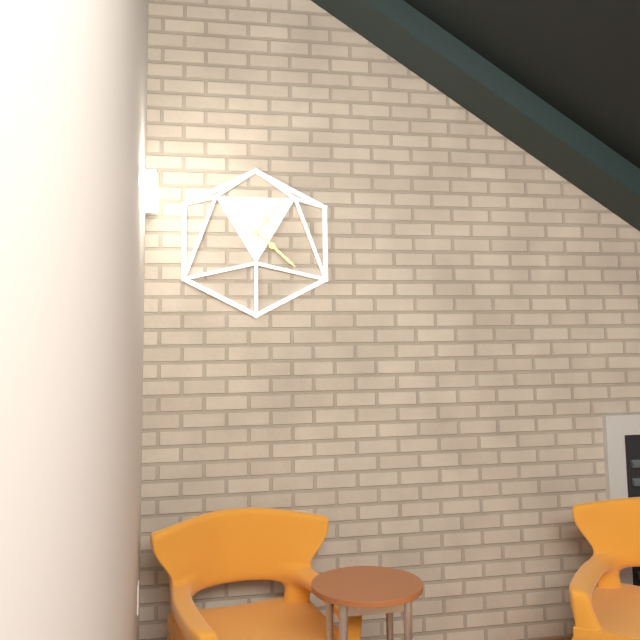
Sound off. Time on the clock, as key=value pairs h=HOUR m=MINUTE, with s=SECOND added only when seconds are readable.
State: h=1 m=22
